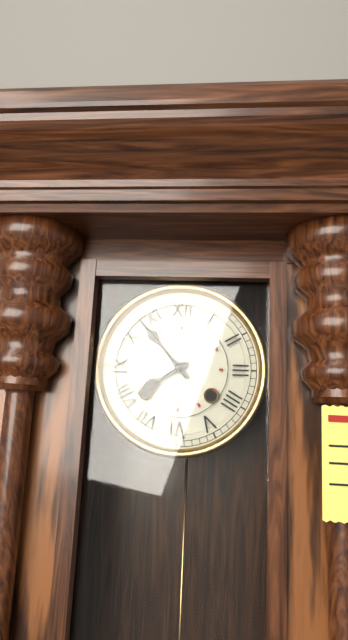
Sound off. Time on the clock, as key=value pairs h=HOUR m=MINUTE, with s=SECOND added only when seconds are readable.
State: h=7 m=53
